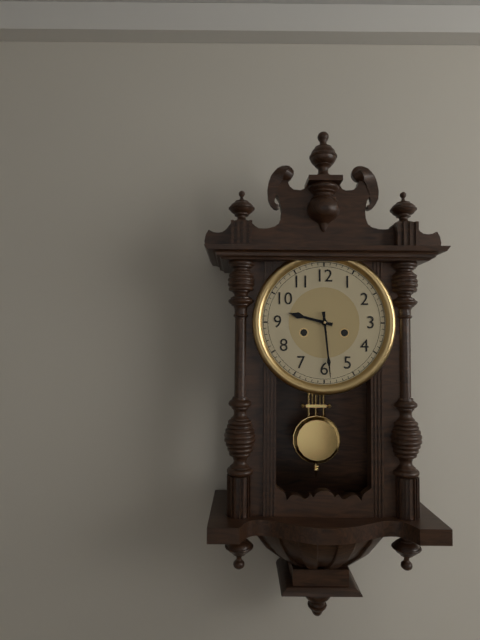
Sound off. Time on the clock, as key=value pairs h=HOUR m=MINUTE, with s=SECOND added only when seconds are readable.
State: h=9 m=29
